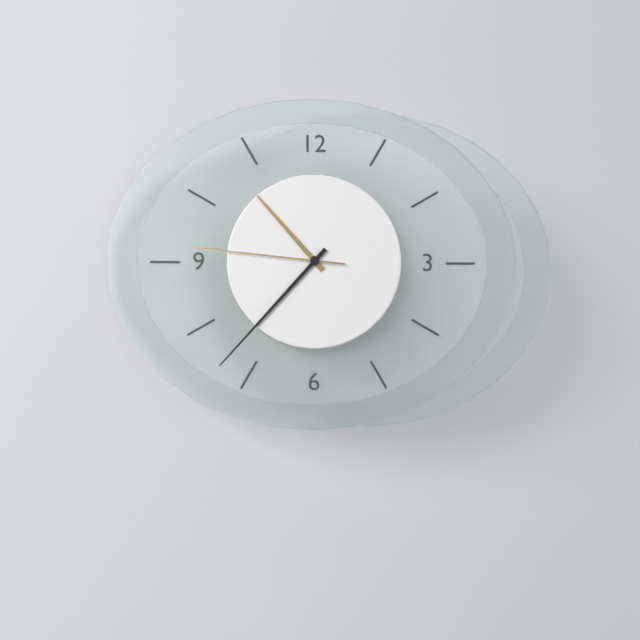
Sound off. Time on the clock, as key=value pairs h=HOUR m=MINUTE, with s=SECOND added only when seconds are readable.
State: h=10 m=37 s=46
